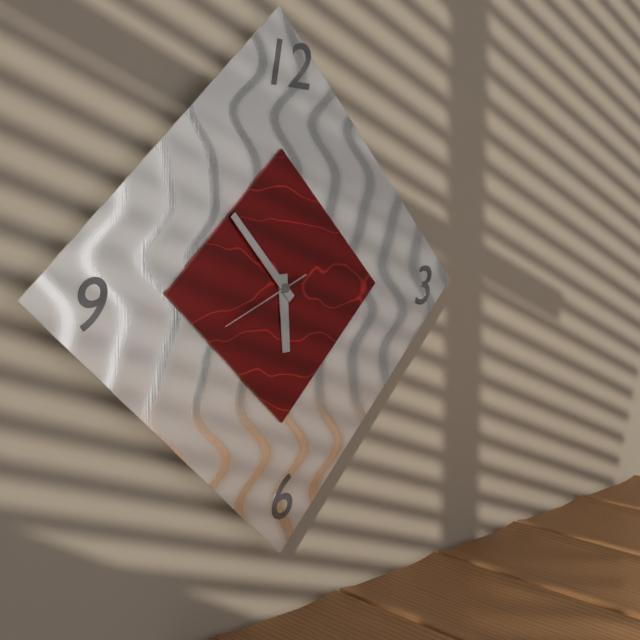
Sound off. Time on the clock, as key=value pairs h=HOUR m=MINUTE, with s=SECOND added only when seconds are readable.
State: h=5 m=53 s=41
